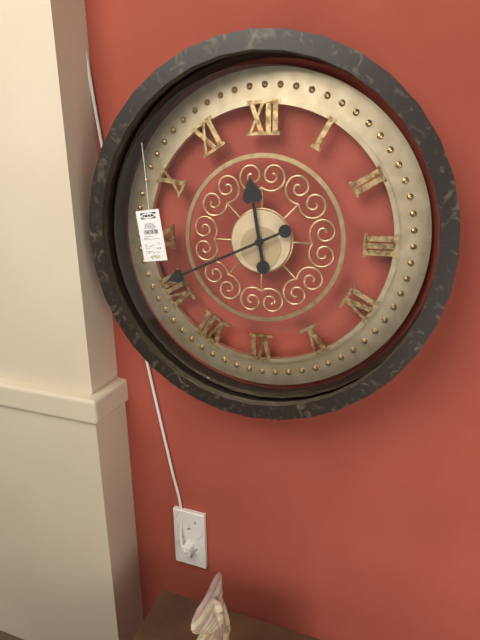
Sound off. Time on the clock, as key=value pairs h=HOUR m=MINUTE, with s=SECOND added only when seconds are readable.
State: h=11 m=41
